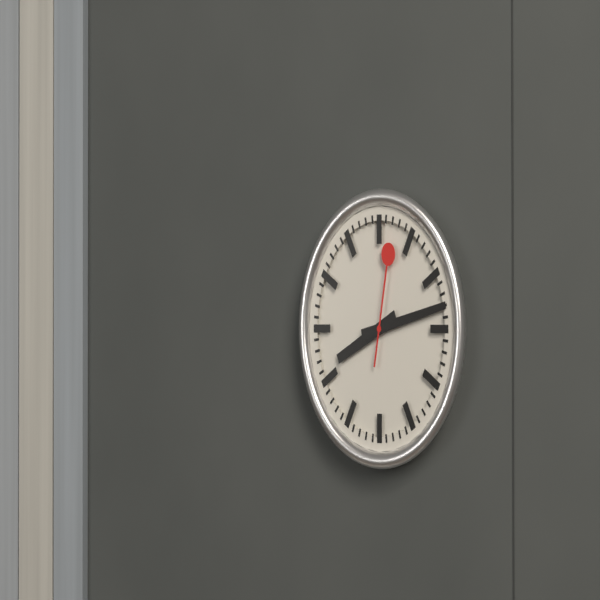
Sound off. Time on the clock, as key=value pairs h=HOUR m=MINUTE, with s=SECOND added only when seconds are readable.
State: h=8 m=13 s=2
